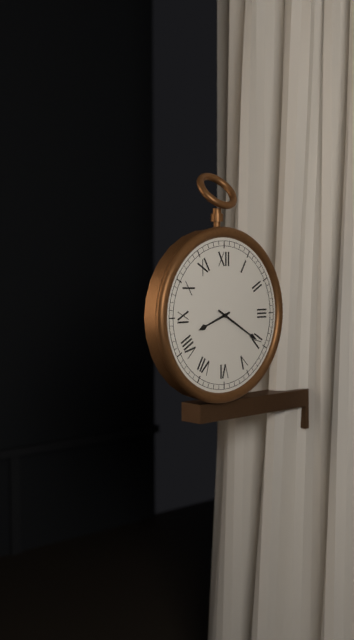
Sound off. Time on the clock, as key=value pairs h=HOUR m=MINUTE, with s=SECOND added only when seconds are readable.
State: h=8 m=20
